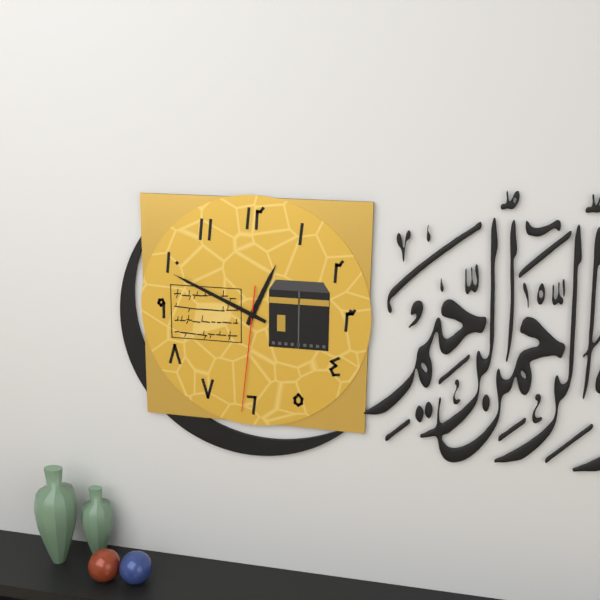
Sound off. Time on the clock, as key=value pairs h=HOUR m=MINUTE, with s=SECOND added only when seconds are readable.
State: h=12 m=49 s=31
